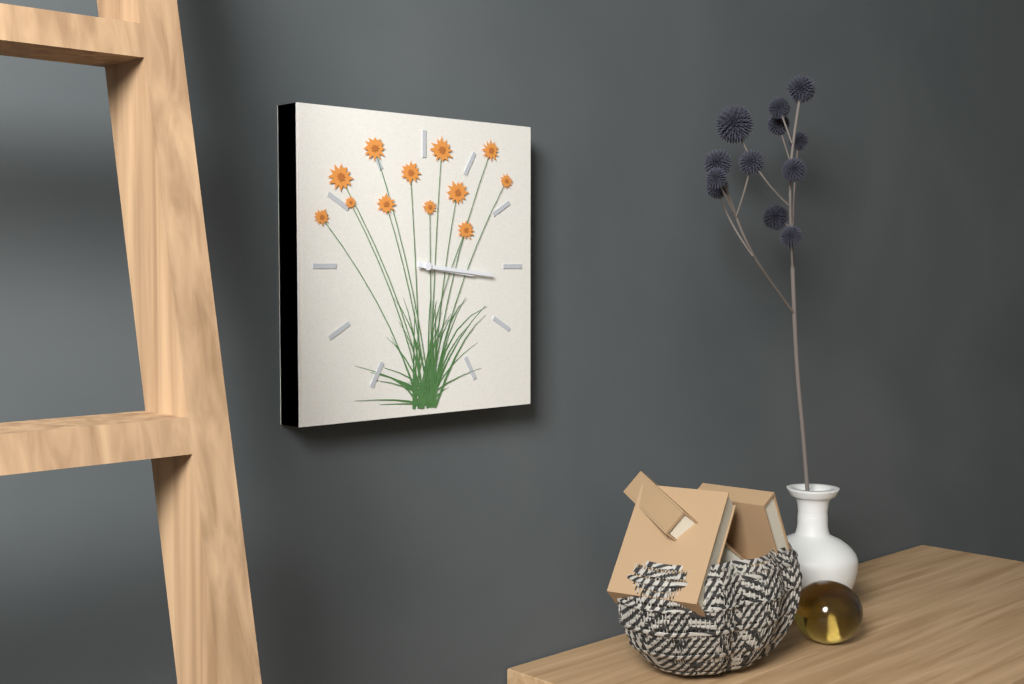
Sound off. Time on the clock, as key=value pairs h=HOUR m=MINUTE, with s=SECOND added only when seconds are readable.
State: h=3 m=16
